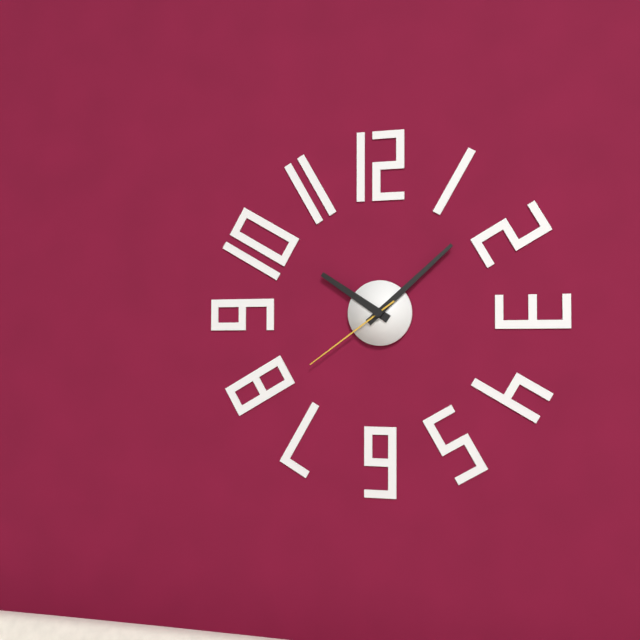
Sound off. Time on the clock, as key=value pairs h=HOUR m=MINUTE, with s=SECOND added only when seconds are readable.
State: h=10 m=8 s=39
